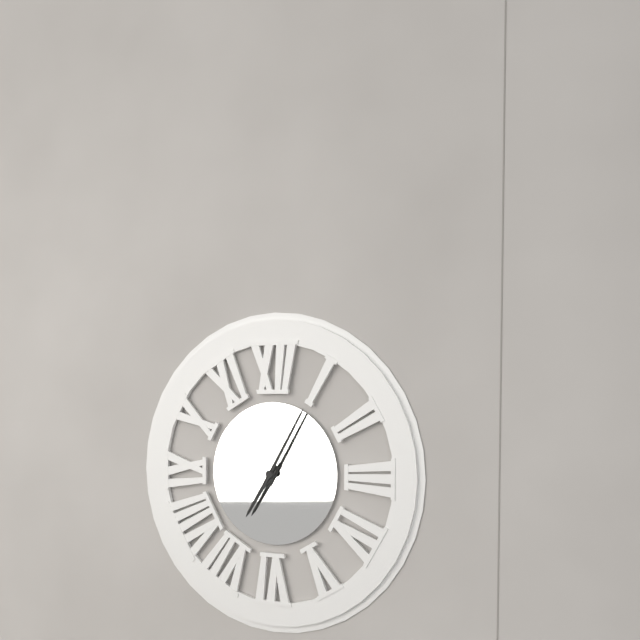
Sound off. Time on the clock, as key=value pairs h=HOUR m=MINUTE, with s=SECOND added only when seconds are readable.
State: h=7 m=5
